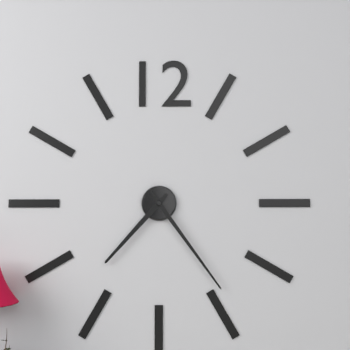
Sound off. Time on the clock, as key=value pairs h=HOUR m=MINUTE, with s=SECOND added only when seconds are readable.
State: h=7 m=24
